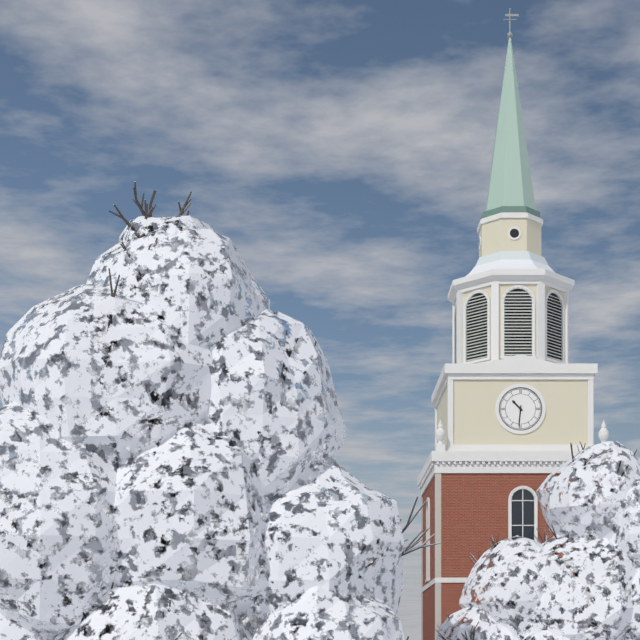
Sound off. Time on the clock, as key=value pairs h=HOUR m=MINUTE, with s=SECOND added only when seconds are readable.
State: h=10 m=31
